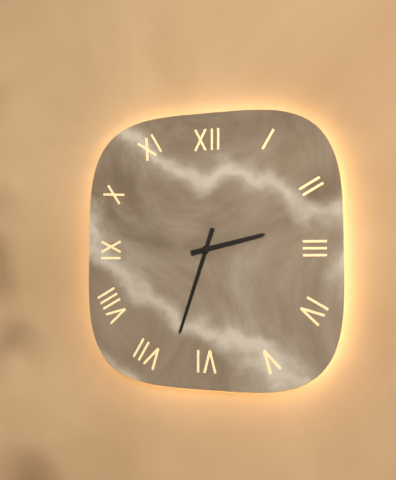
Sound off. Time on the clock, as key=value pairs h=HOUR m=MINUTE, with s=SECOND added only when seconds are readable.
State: h=2 m=33
